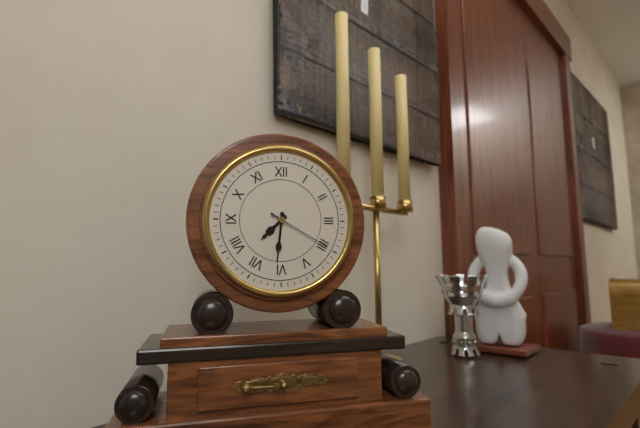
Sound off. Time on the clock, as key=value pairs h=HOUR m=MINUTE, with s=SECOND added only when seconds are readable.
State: h=7 m=31 s=20
